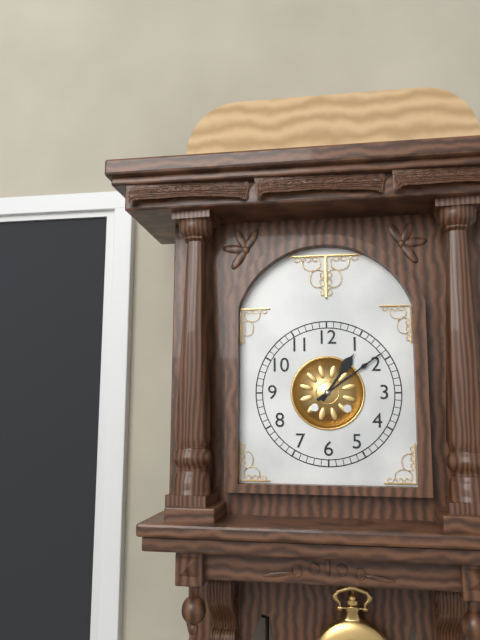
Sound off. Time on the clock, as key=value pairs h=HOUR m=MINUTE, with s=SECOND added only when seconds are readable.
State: h=1 m=9
